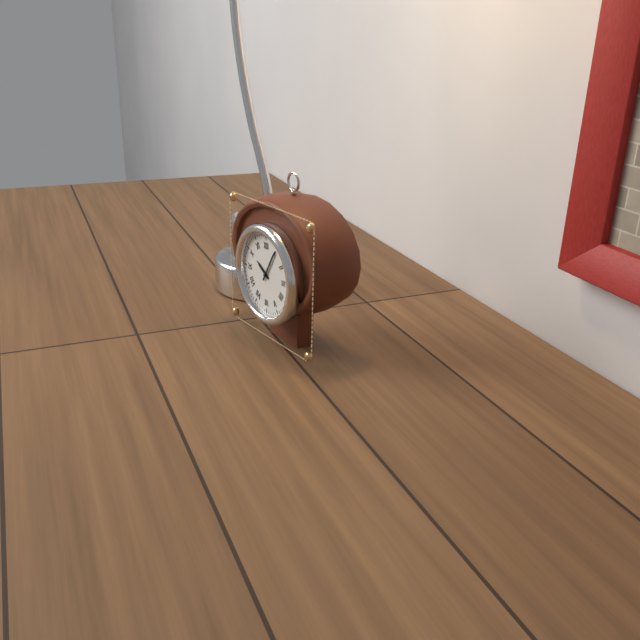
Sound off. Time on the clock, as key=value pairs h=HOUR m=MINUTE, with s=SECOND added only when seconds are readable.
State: h=10 m=5
